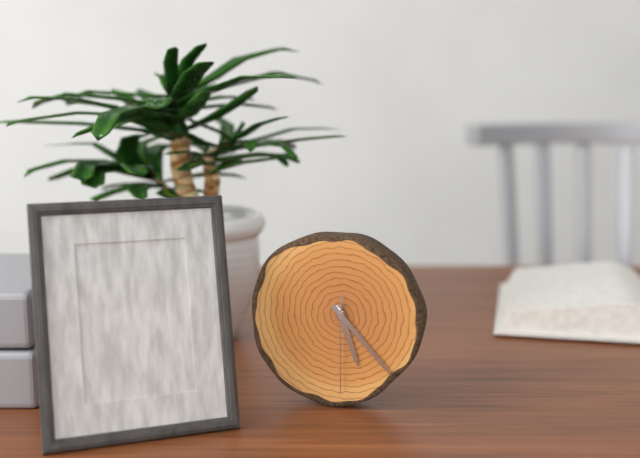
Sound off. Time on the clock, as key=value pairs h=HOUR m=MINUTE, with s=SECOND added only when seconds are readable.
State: h=5 m=23 s=30
